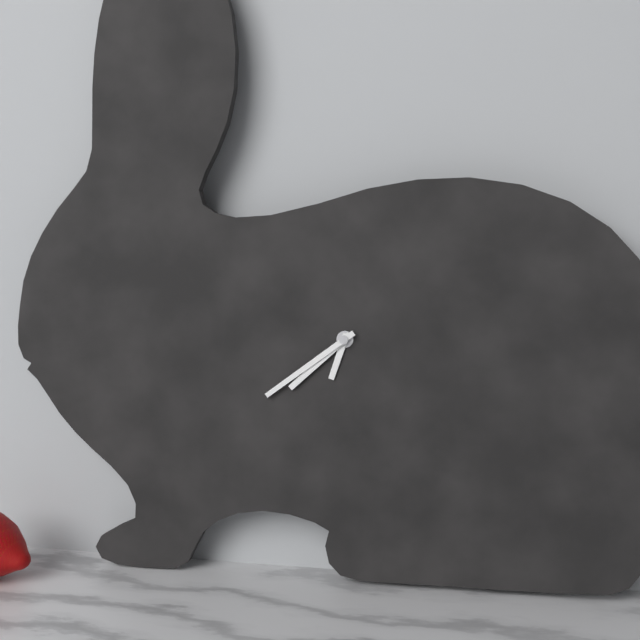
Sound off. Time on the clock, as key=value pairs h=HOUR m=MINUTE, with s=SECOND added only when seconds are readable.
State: h=6 m=38 s=39
